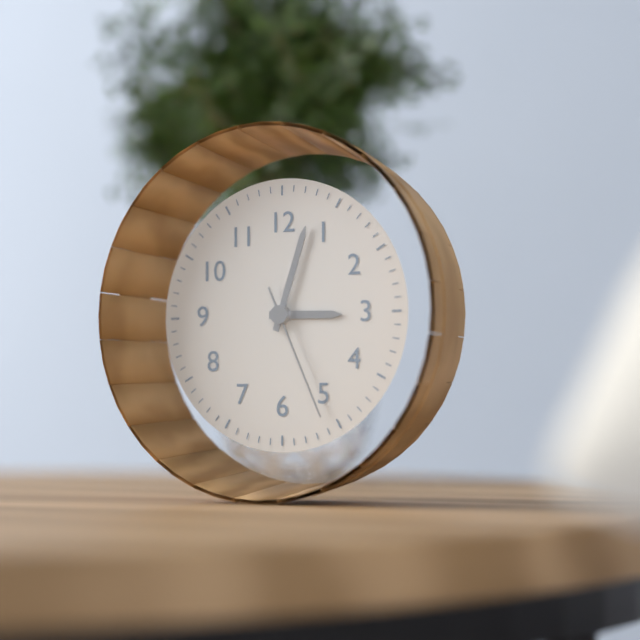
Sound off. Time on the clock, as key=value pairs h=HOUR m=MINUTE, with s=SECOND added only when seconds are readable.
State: h=3 m=3 s=26
